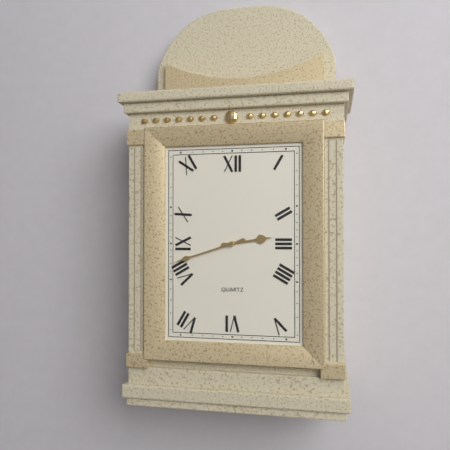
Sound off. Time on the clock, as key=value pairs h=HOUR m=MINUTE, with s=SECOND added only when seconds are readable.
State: h=2 m=42
